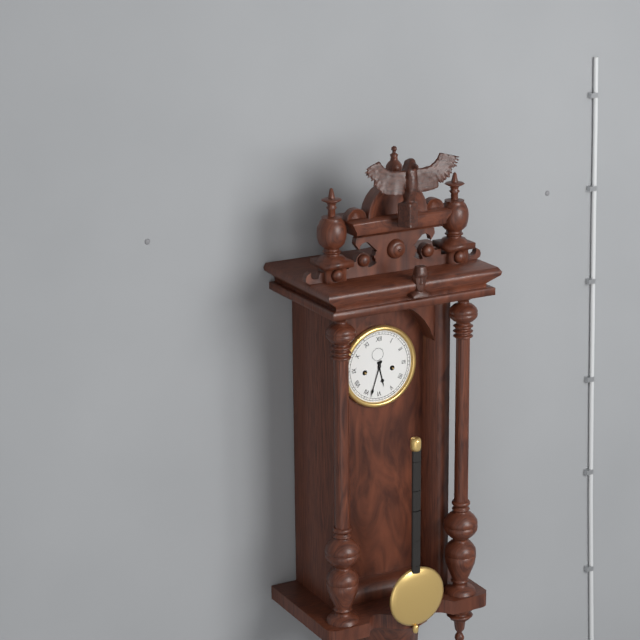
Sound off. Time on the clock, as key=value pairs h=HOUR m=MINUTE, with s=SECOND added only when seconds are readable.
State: h=5 m=33
